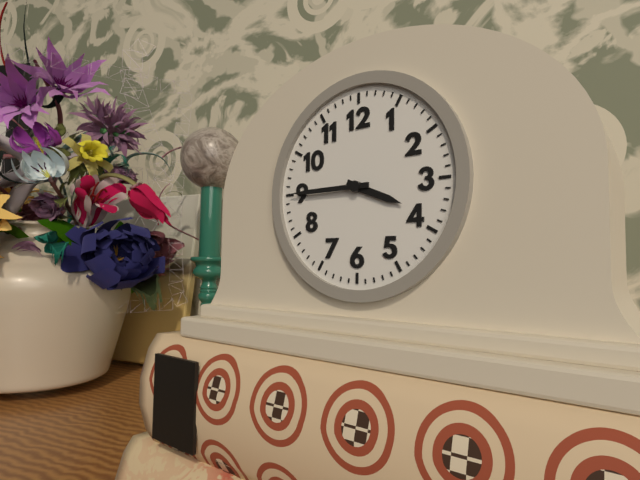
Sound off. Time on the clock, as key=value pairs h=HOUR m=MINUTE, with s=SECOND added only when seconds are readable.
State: h=3 m=45
